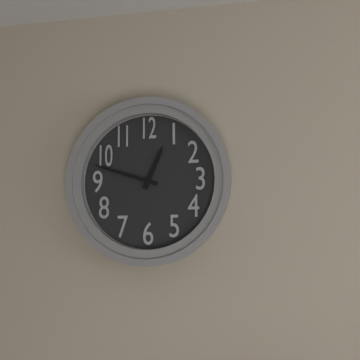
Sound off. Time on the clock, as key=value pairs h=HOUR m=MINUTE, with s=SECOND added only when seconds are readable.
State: h=12 m=48
